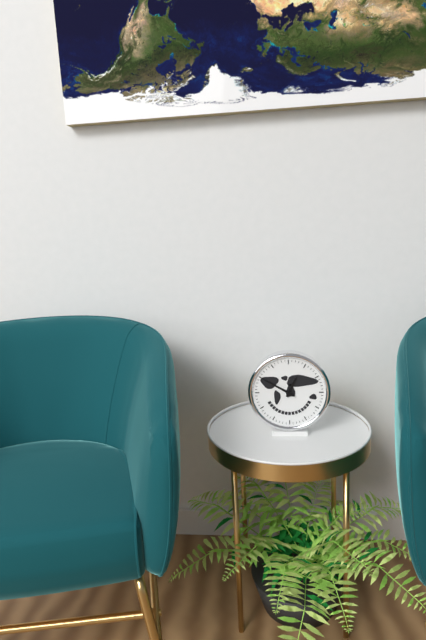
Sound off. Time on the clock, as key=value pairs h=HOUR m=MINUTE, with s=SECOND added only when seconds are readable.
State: h=12 m=50
